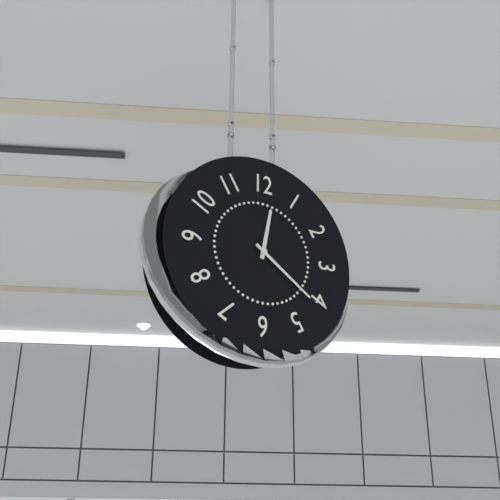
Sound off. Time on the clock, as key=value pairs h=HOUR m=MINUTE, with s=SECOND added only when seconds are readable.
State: h=12 m=21
